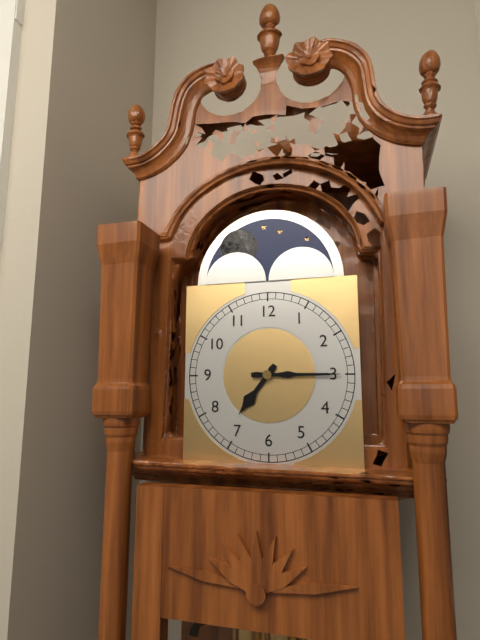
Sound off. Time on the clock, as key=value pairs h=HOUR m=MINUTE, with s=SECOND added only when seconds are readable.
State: h=7 m=15
